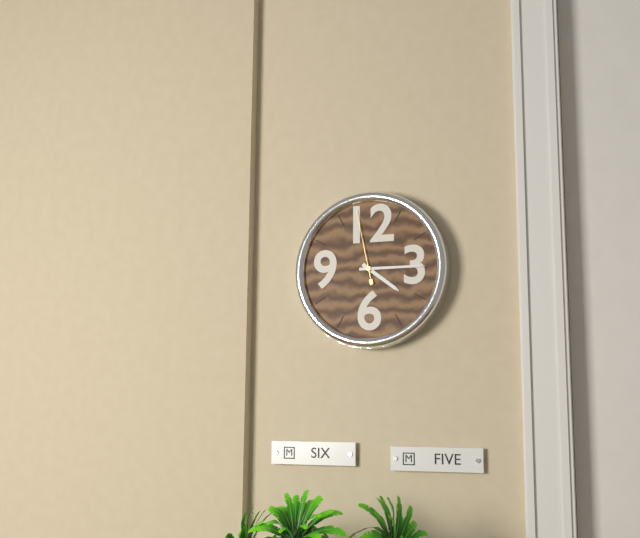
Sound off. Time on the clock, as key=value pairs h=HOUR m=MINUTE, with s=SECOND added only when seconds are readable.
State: h=4 m=15 s=58
